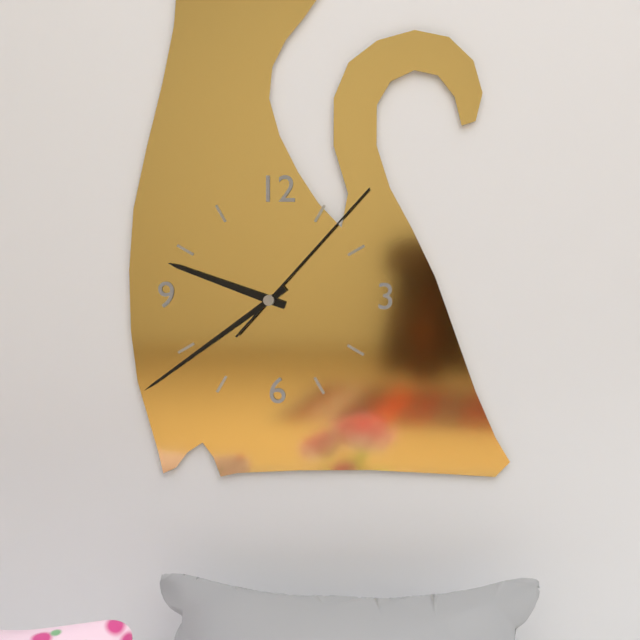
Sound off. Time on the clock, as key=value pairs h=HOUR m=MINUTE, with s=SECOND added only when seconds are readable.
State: h=9 m=39 s=7
